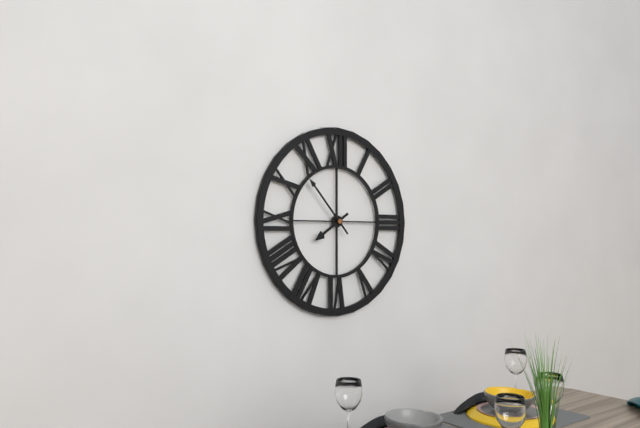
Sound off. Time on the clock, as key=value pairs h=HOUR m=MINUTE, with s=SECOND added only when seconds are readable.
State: h=7 m=53
